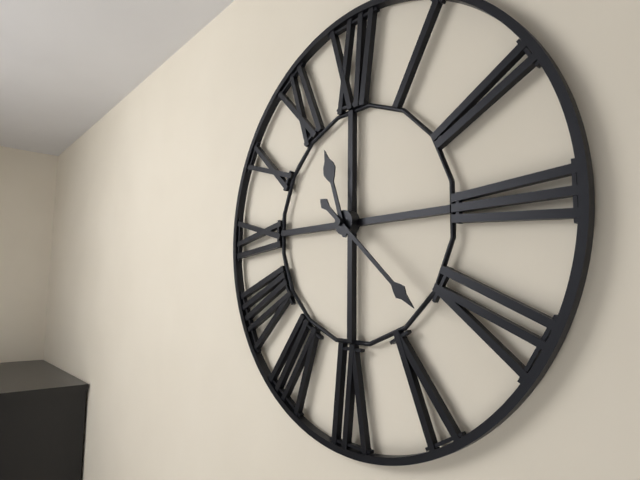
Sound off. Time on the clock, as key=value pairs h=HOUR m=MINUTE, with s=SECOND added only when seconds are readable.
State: h=11 m=22
